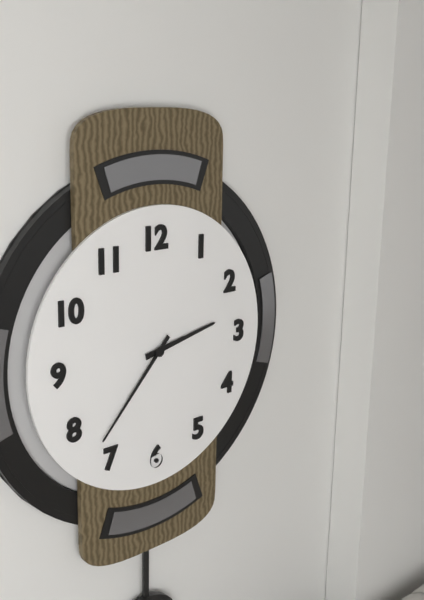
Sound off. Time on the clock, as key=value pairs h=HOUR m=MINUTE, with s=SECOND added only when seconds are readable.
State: h=2 m=37
